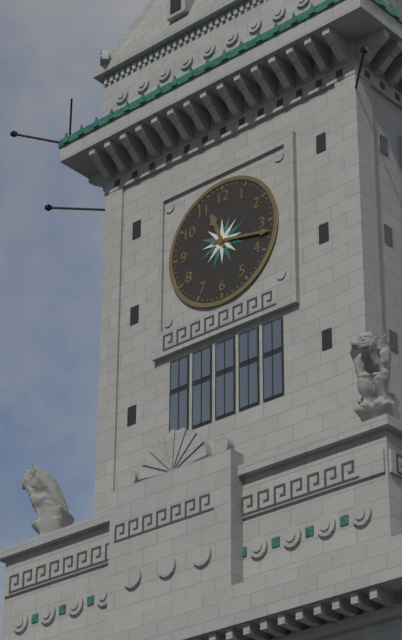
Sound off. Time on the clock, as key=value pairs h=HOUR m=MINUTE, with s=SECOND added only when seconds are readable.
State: h=11 m=17
